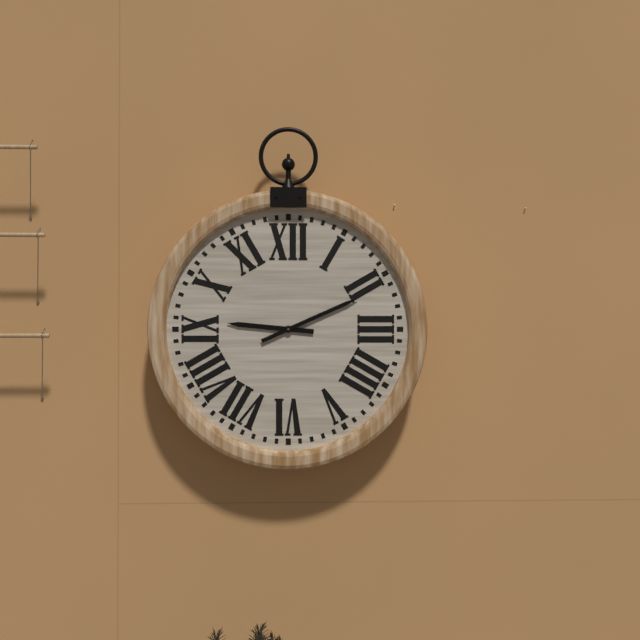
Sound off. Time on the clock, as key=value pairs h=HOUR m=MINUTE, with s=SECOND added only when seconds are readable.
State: h=9 m=11
